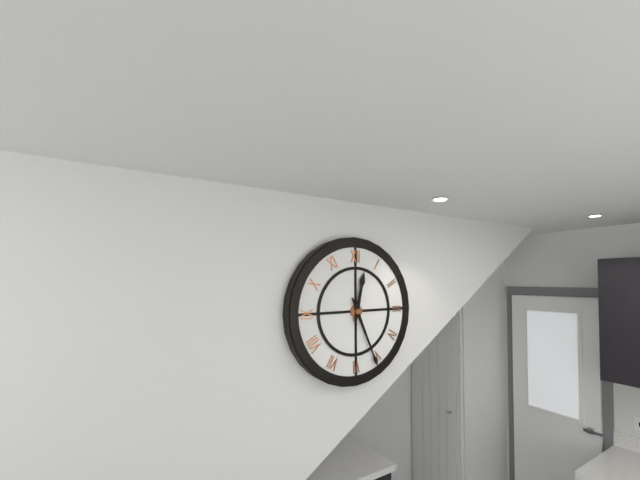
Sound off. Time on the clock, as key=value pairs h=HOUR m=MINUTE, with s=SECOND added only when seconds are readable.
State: h=12 m=26
